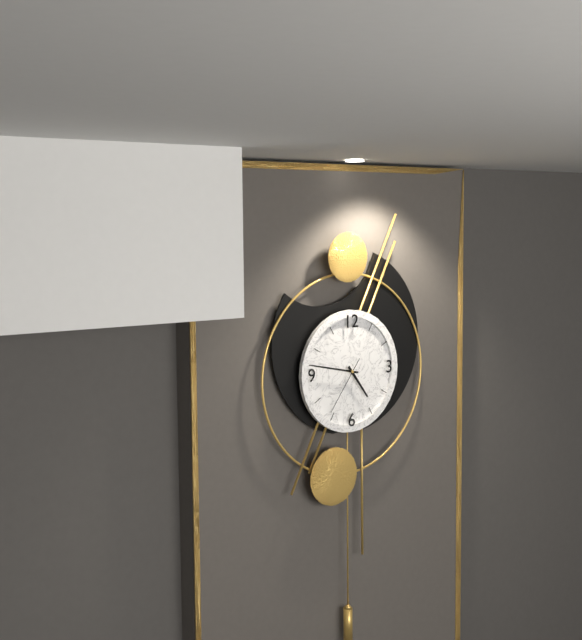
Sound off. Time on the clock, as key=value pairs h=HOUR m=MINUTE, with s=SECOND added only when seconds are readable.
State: h=4 m=47 s=36
